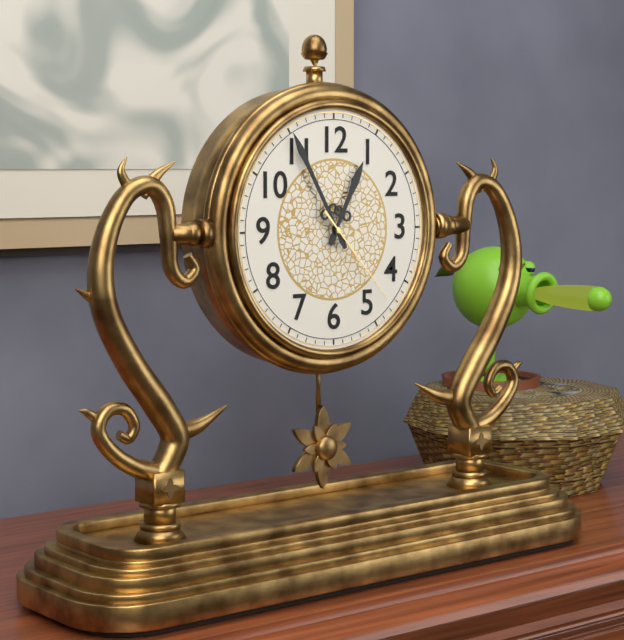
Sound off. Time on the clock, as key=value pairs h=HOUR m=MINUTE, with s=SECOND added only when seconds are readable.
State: h=12 m=55 s=23
